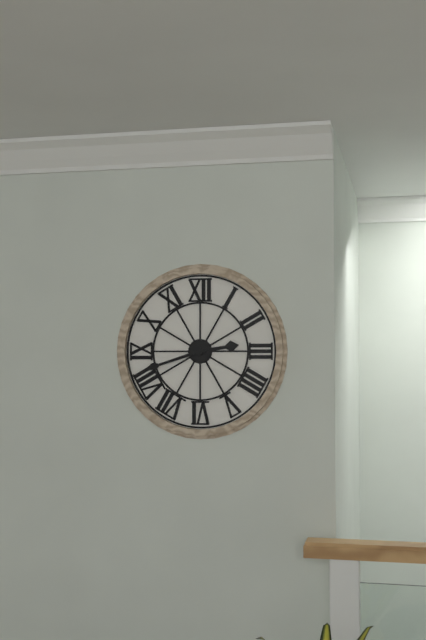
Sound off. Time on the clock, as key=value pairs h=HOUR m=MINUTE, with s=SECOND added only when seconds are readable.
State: h=2 m=42
